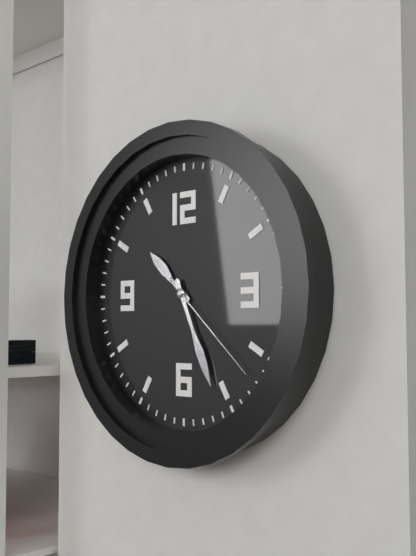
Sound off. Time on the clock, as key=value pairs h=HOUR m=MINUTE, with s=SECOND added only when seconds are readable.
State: h=10 m=26 s=22
